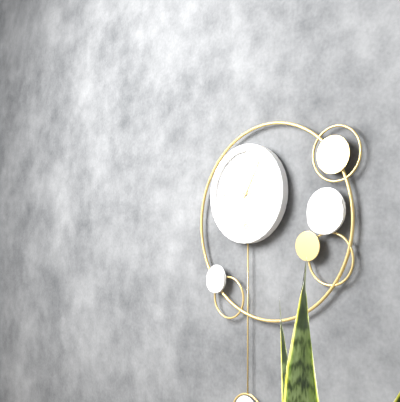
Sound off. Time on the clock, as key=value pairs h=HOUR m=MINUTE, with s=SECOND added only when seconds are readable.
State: h=3 m=5
